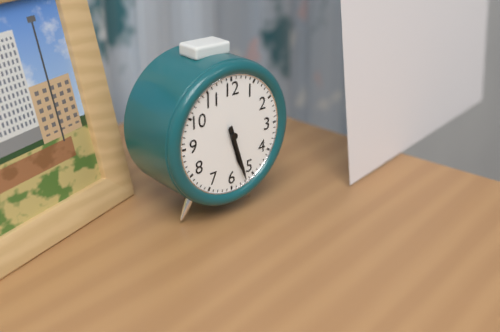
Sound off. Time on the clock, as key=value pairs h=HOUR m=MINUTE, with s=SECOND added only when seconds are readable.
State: h=5 m=27
